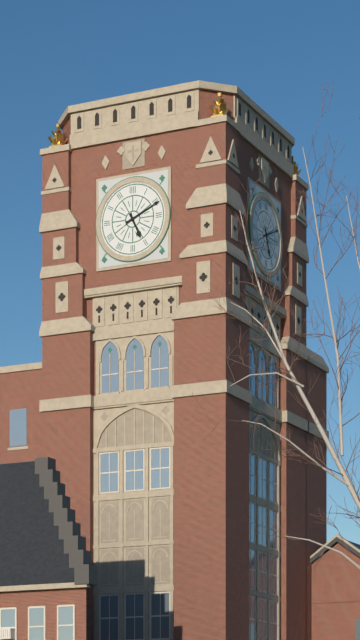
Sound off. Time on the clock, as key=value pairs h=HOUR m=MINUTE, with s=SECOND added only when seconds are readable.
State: h=5 m=11
